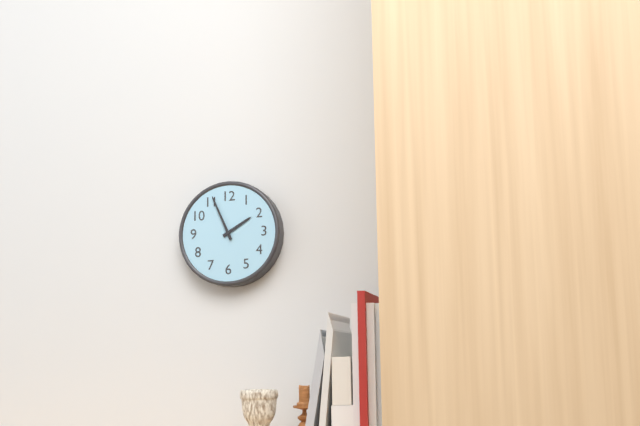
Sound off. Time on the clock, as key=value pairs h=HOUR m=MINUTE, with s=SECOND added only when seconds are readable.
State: h=1 m=56
